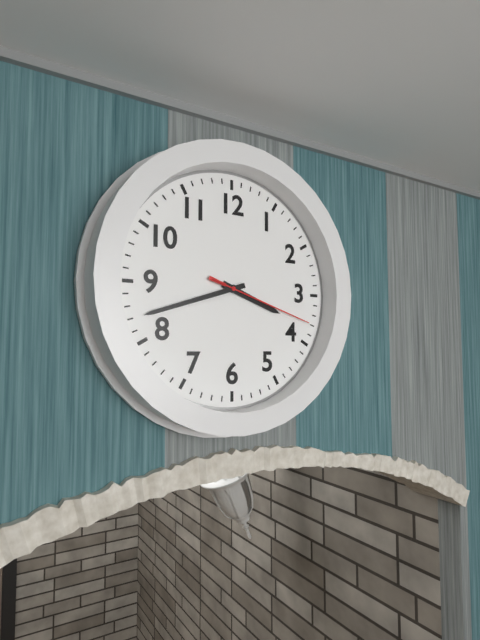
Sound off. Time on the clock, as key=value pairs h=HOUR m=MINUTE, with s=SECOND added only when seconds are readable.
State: h=3 m=42 s=18
